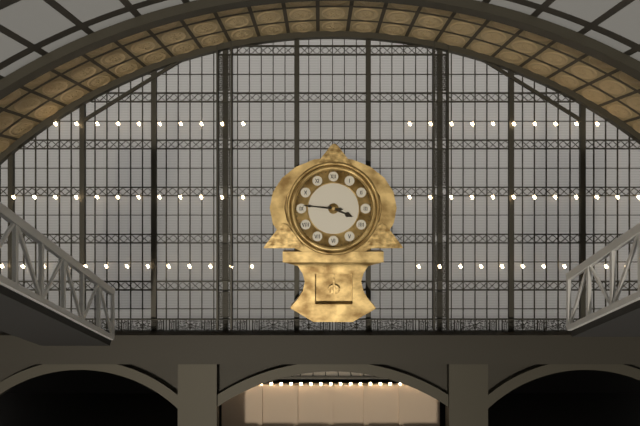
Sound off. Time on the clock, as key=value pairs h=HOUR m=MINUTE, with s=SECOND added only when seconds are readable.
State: h=3 m=46
